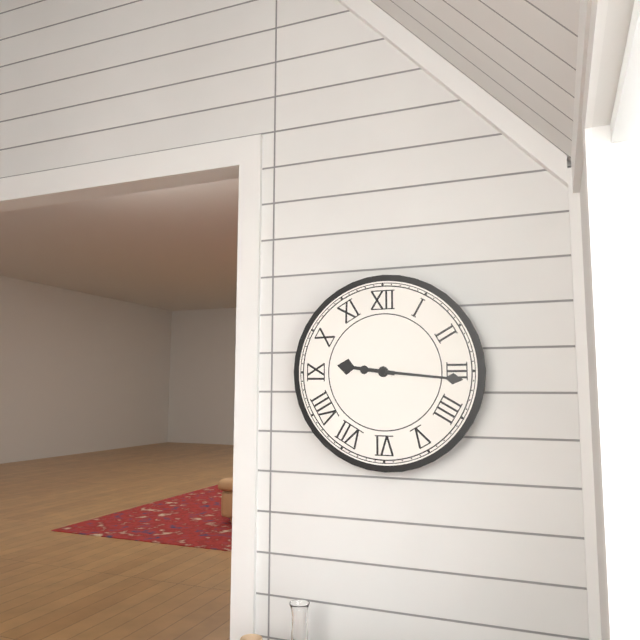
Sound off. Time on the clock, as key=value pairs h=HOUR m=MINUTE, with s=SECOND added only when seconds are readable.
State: h=9 m=16
